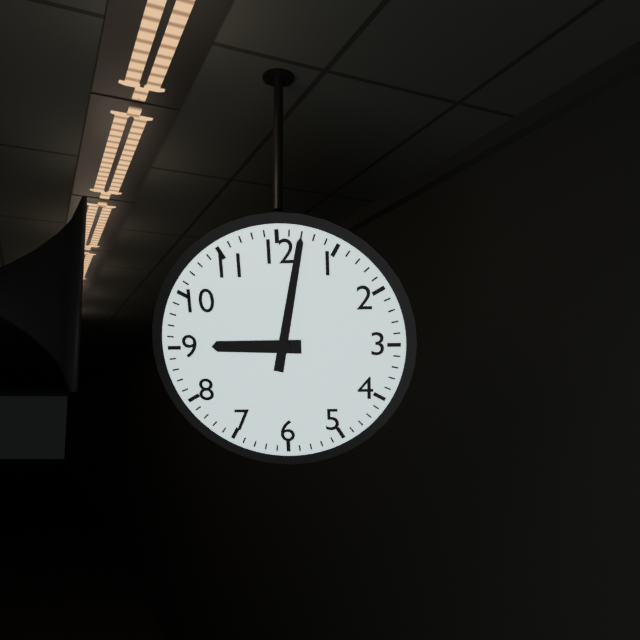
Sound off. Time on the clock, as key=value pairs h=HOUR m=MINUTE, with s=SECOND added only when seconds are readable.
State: h=9 m=2
